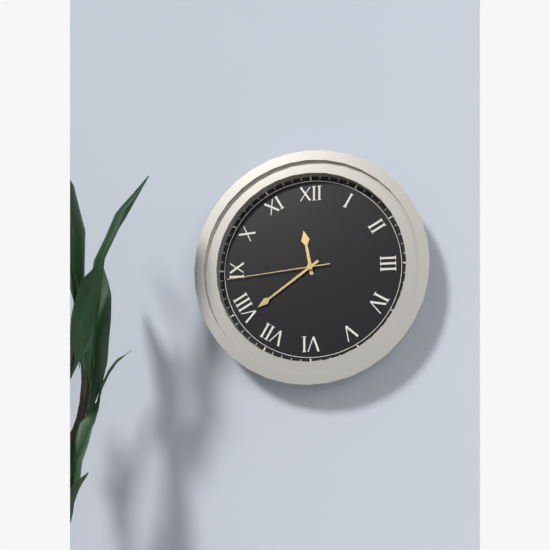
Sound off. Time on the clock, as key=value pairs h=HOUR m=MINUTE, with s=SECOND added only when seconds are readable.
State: h=11 m=39 s=44
